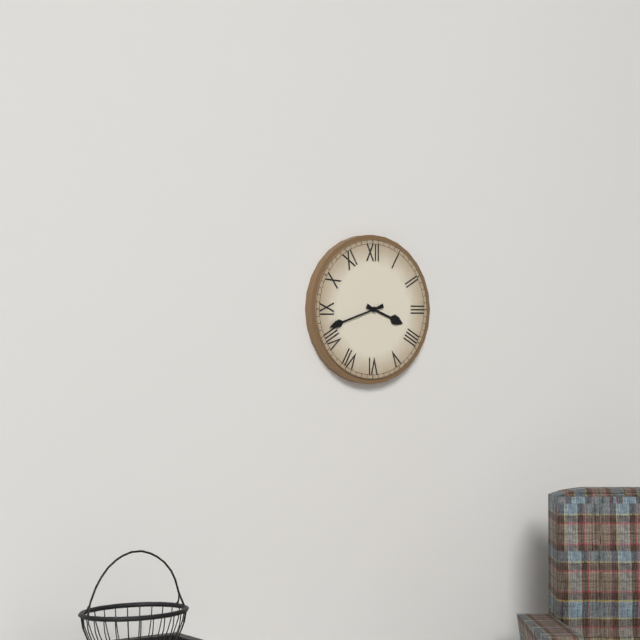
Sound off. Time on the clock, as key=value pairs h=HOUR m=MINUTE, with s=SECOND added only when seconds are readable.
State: h=3 m=42
